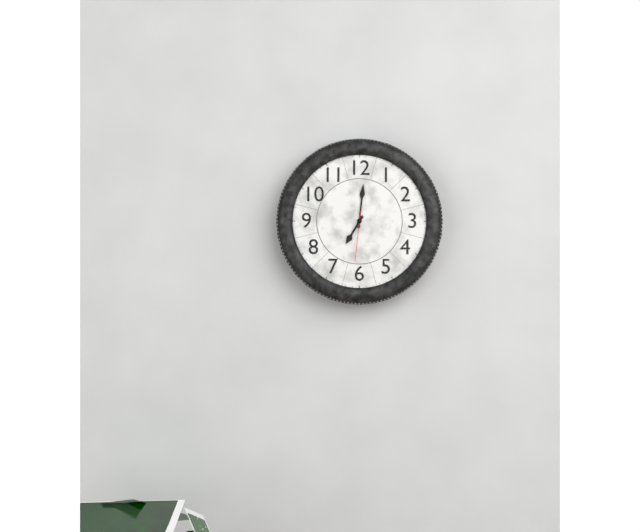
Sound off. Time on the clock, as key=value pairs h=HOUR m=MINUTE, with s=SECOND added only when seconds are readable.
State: h=7 m=1 s=31
